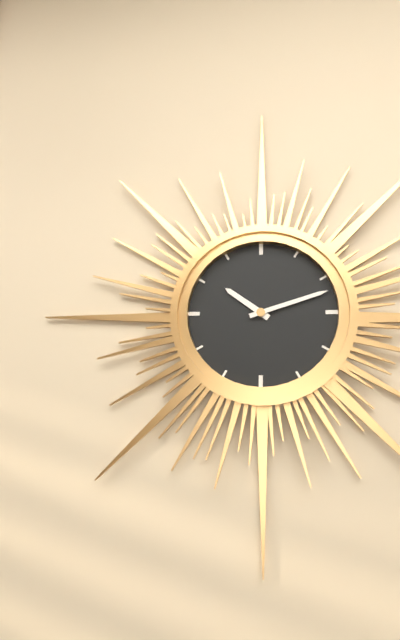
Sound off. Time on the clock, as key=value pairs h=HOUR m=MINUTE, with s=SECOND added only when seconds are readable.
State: h=10 m=12
